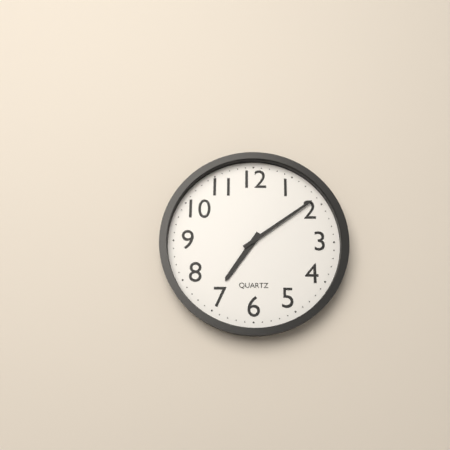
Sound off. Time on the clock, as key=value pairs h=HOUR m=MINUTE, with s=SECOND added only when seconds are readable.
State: h=7 m=9
